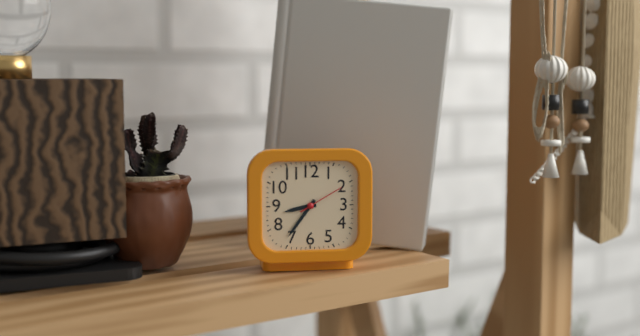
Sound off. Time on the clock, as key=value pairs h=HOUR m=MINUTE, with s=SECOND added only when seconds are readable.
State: h=8 m=36
